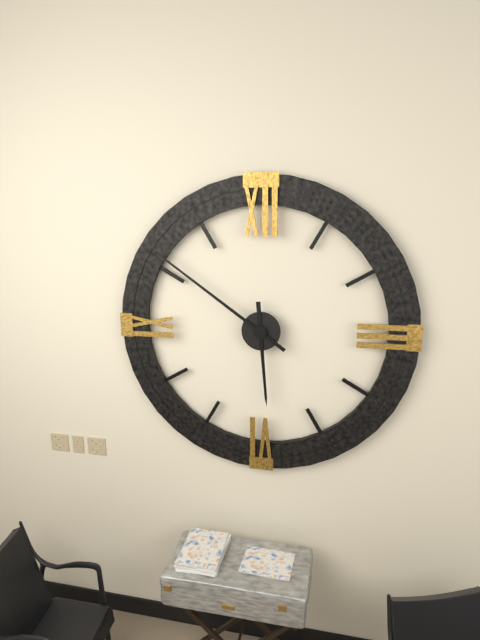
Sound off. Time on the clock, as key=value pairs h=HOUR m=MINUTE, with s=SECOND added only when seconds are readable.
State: h=5 m=51
